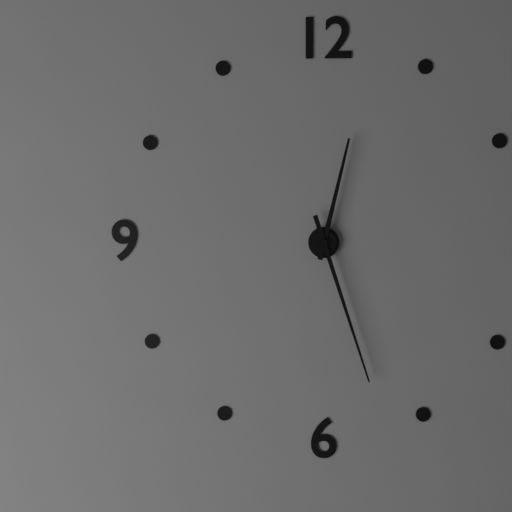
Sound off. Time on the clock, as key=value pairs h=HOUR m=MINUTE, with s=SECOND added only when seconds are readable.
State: h=12 m=27
